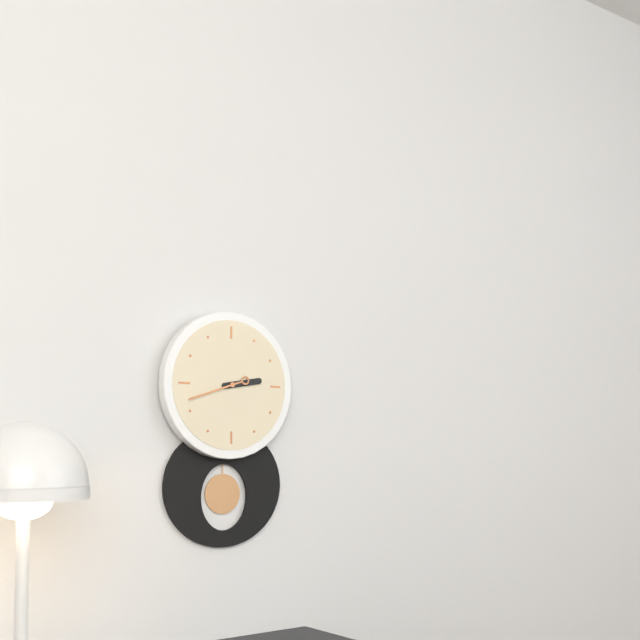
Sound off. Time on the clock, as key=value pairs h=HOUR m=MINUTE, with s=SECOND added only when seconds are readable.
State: h=2 m=42
